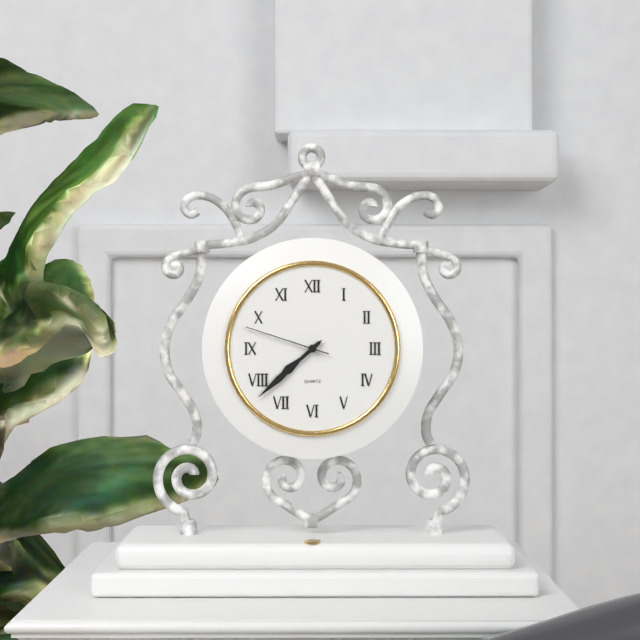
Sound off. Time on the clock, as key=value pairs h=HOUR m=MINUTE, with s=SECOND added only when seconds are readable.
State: h=7 m=38 s=48
